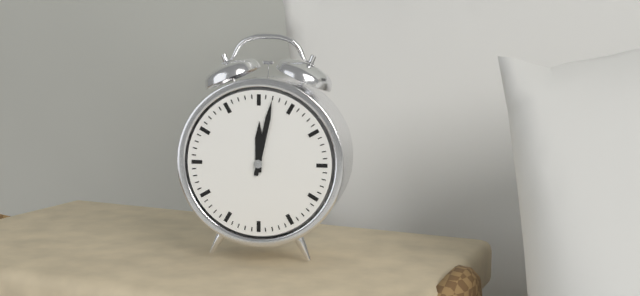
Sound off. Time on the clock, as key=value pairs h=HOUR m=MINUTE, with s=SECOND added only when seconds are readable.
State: h=12 m=2
